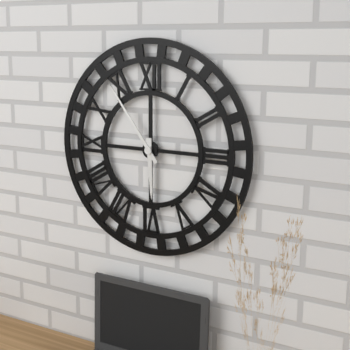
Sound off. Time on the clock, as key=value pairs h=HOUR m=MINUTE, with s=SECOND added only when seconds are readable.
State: h=5 m=54
